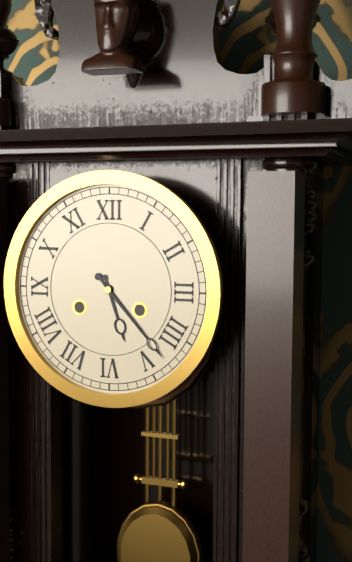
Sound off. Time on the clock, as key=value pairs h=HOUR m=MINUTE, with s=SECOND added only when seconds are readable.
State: h=5 m=23
